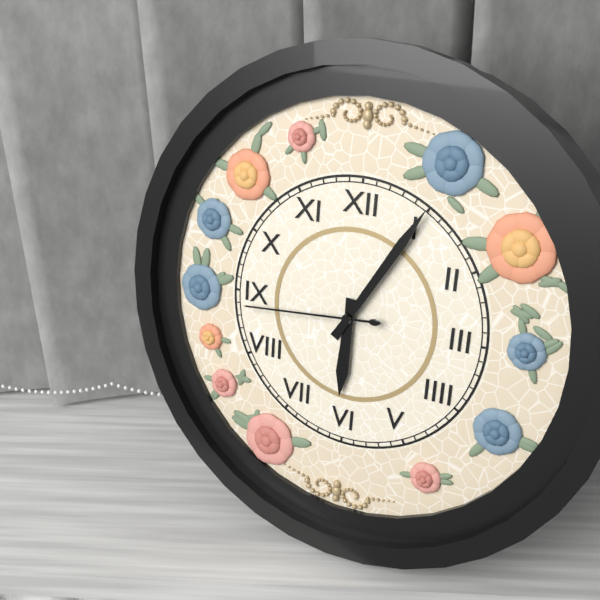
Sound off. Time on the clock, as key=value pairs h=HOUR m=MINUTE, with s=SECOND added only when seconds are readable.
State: h=6 m=5 s=44
